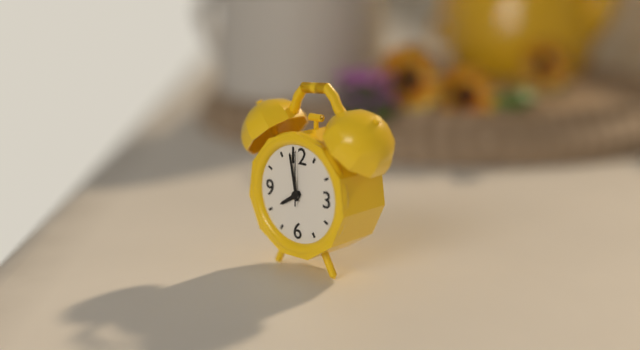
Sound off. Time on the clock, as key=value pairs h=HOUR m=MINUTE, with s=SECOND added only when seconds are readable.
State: h=7 m=58 s=0
